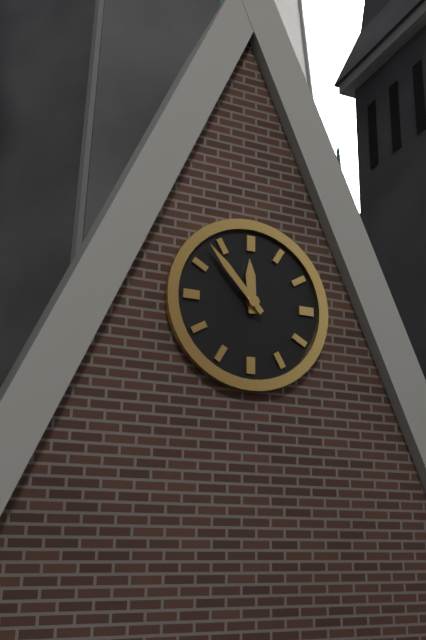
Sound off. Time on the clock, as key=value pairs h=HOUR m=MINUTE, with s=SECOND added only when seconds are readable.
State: h=11 m=53
